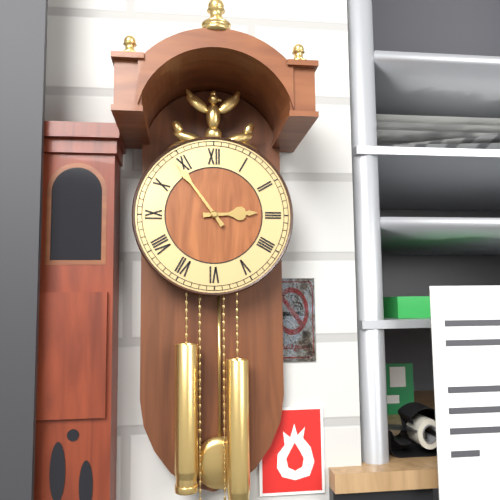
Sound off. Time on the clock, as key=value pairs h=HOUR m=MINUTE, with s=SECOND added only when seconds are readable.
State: h=2 m=54
